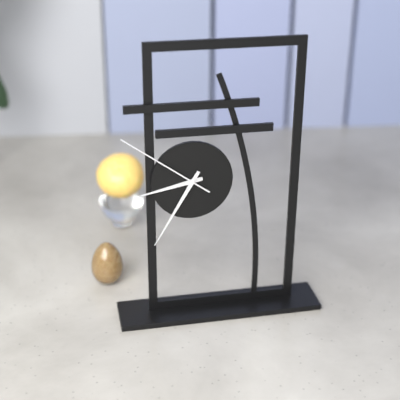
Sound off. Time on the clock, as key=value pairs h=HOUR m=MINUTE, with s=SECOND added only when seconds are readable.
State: h=8 m=35 s=51
